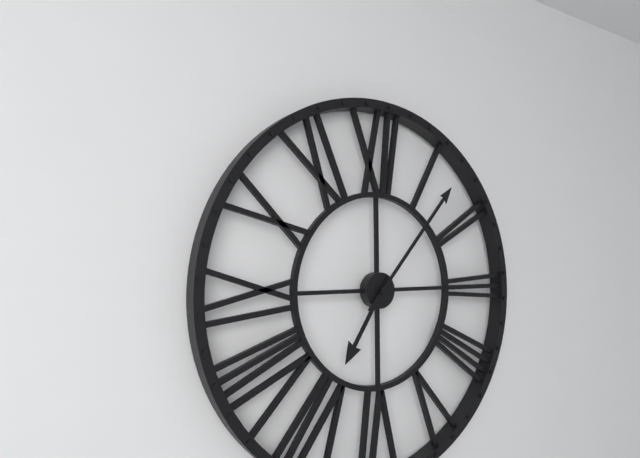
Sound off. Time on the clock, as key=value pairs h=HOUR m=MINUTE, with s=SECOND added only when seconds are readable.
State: h=7 m=7
